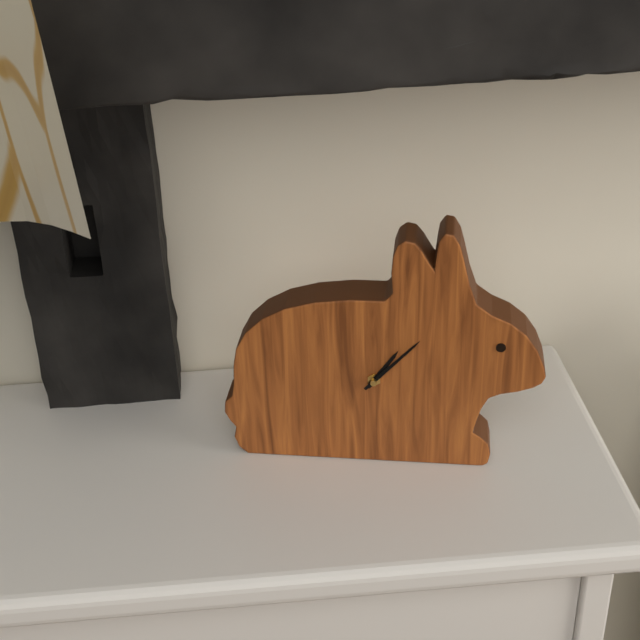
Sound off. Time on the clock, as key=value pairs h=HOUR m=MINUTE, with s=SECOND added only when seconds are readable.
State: h=1 m=7
